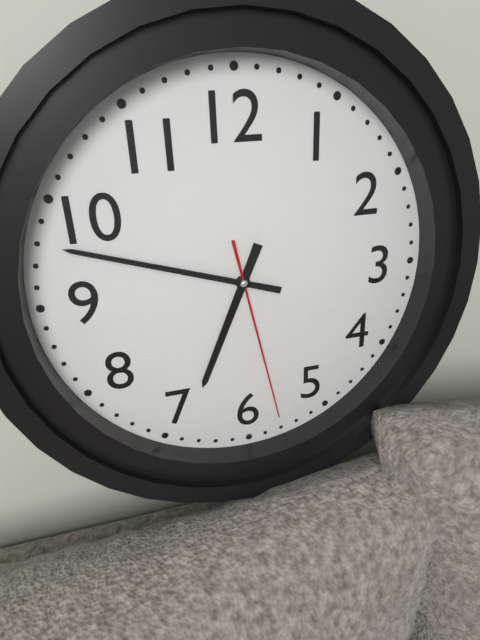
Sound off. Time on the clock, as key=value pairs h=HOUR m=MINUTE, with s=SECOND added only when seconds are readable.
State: h=6 m=48 s=28
